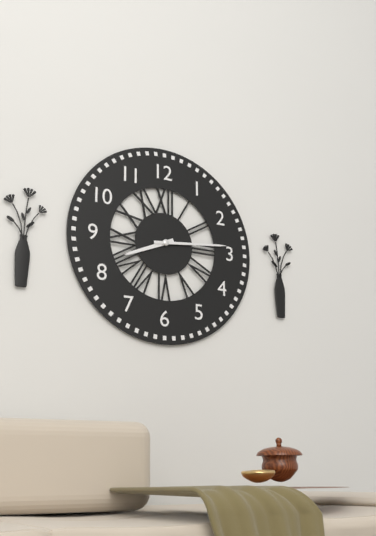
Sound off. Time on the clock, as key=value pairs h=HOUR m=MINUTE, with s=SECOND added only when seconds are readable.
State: h=8 m=14
